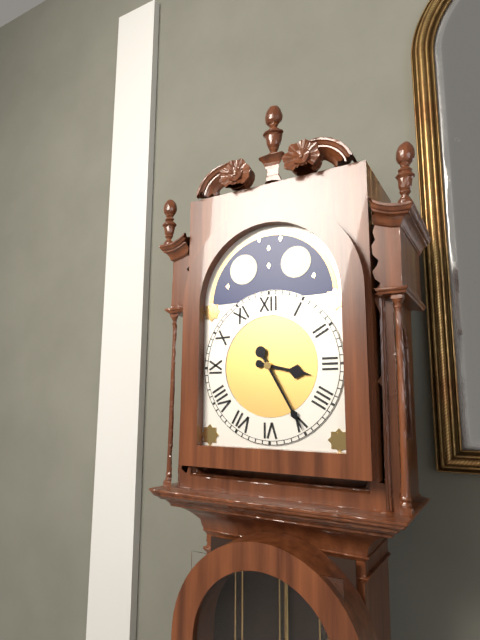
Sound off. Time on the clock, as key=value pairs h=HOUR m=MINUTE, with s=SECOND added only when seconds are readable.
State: h=3 m=25
